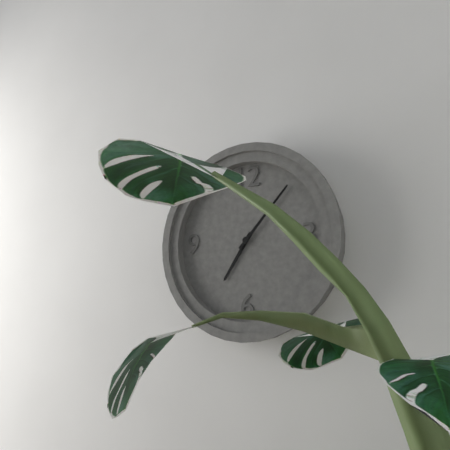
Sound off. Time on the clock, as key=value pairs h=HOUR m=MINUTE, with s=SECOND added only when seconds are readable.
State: h=7 m=7
